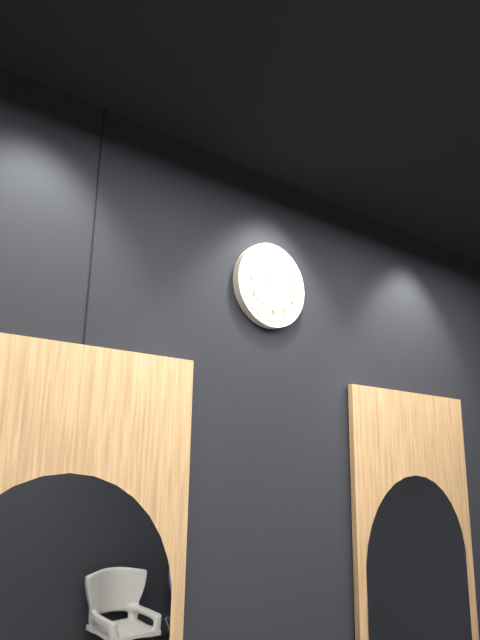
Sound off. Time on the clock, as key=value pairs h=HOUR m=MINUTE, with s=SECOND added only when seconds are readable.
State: h=10 m=1
